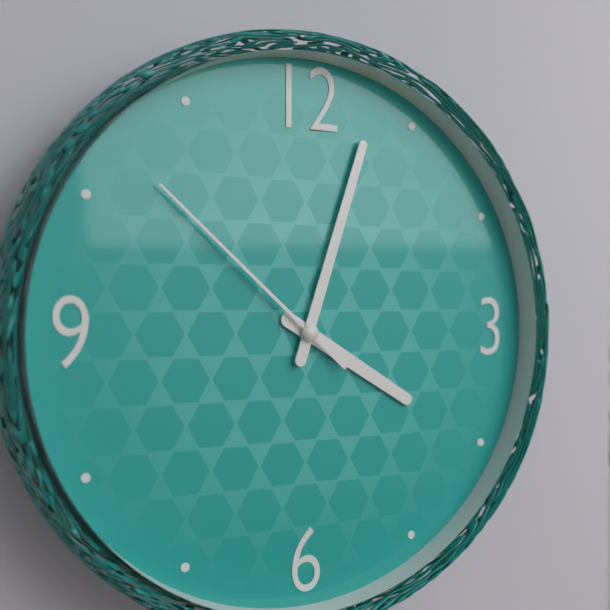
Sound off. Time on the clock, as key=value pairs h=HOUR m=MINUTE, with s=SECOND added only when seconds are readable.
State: h=4 m=3 s=52
